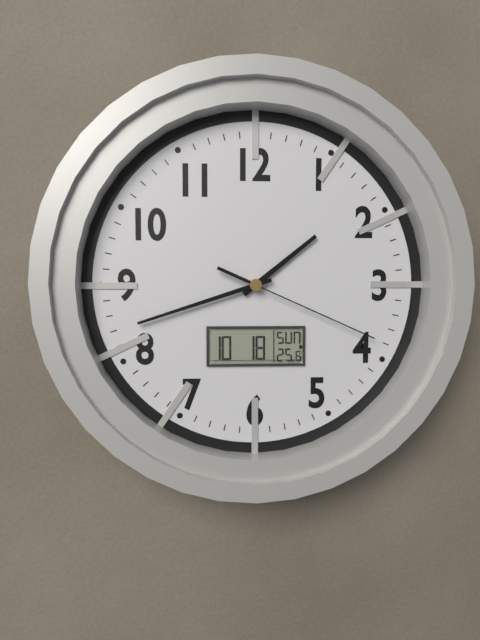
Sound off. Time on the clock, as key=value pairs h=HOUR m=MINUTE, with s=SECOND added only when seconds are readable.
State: h=1 m=42 s=19
